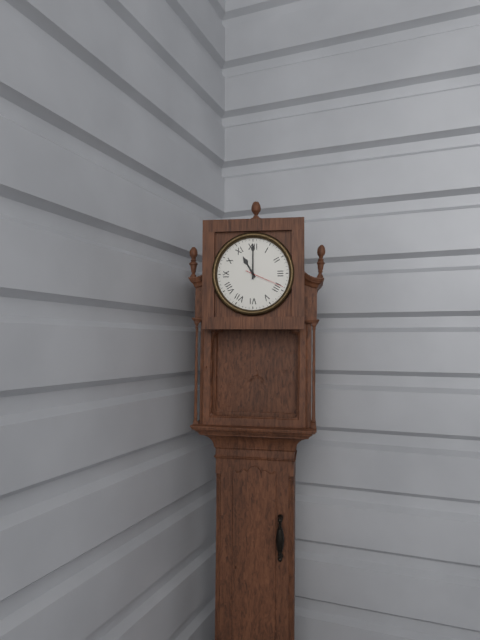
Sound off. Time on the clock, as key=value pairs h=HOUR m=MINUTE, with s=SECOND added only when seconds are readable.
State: h=11 m=0
